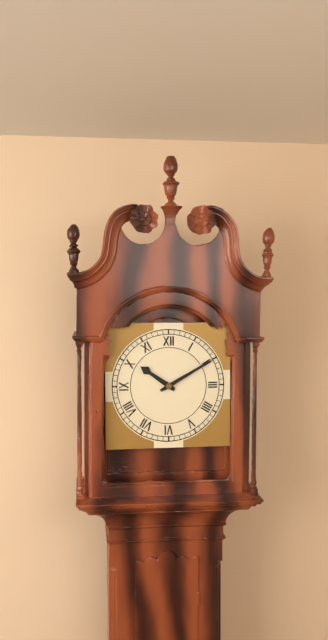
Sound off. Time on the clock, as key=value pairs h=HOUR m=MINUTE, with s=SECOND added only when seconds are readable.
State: h=10 m=10
